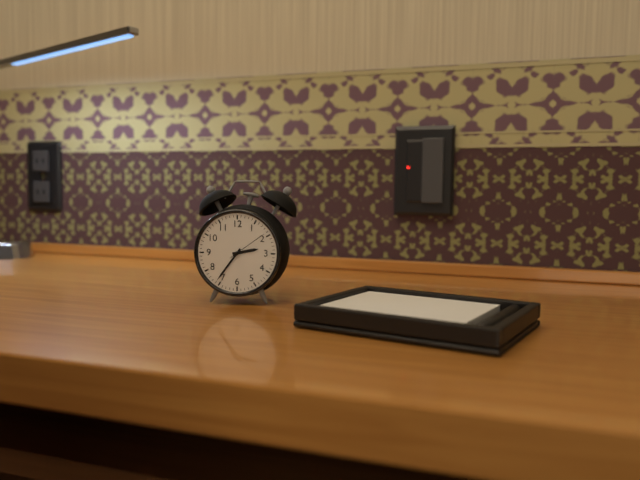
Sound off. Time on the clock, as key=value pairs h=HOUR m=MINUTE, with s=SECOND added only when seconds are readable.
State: h=2 m=36
